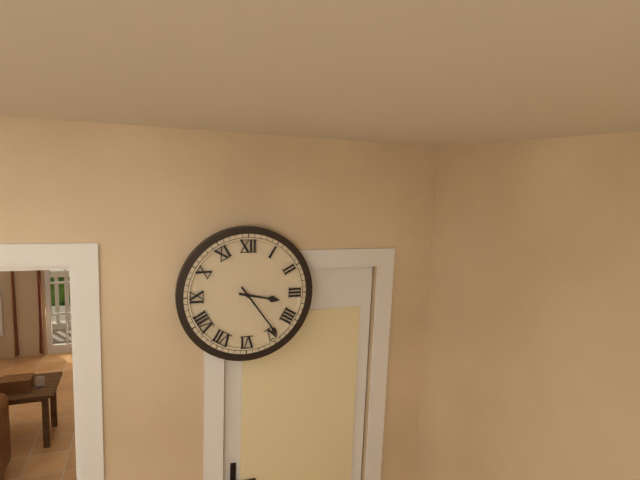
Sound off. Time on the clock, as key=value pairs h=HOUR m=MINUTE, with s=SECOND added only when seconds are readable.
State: h=3 m=24
